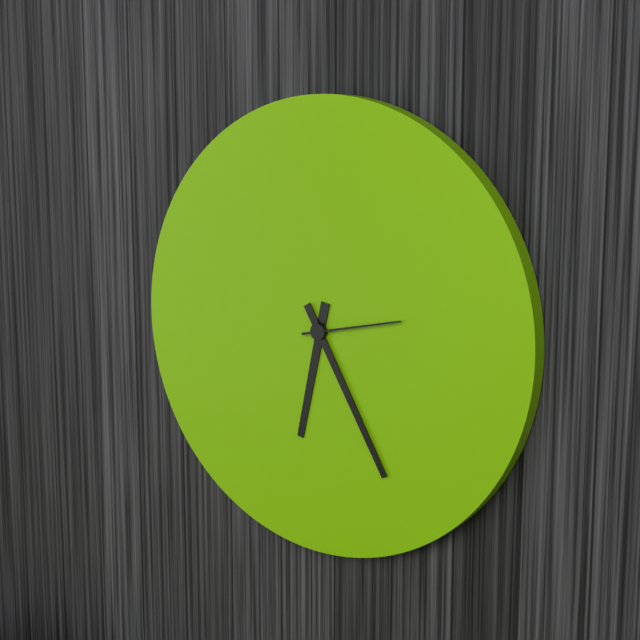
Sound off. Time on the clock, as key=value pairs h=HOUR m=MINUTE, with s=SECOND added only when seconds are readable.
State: h=6 m=25 s=13
